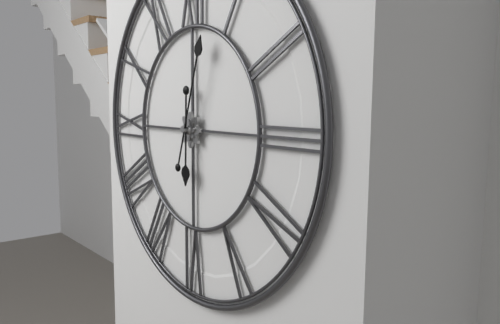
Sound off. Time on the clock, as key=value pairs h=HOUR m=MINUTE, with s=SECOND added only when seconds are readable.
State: h=6 m=3
